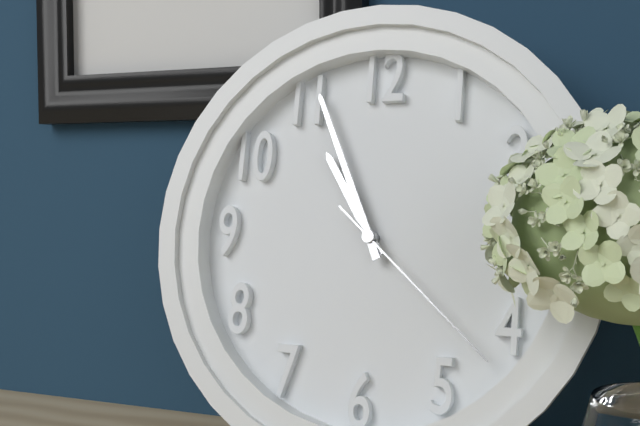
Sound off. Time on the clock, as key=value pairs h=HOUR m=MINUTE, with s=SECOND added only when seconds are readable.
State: h=10 m=56 s=22
